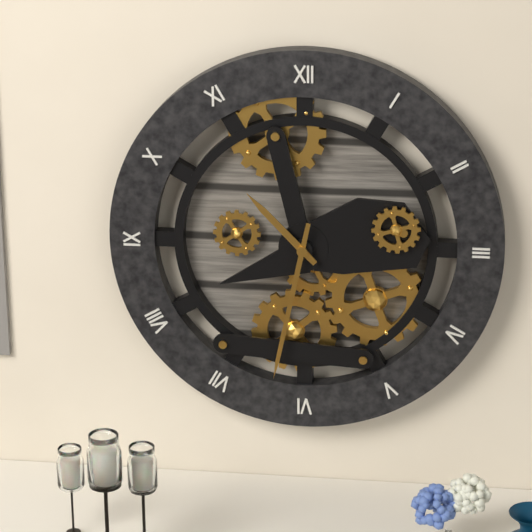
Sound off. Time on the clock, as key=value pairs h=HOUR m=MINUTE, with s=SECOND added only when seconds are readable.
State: h=10 m=32
